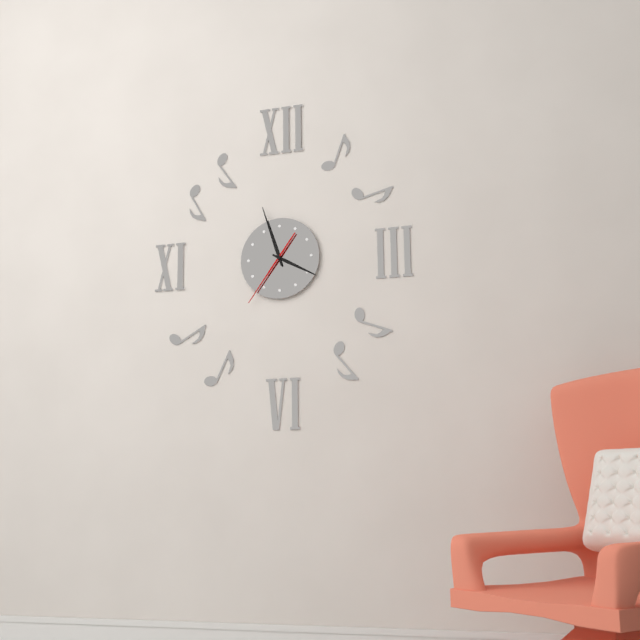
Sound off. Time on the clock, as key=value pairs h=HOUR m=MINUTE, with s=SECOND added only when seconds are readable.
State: h=3 m=57 s=36
